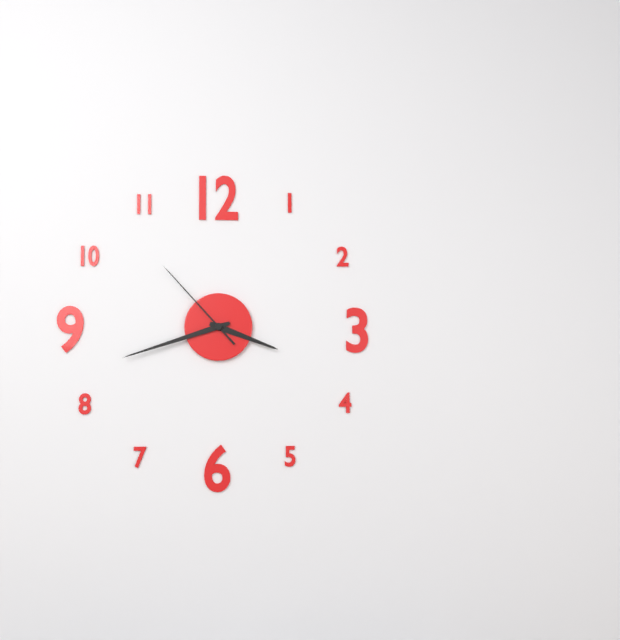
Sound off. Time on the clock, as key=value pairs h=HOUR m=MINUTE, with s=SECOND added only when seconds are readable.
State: h=3 m=42 s=53
